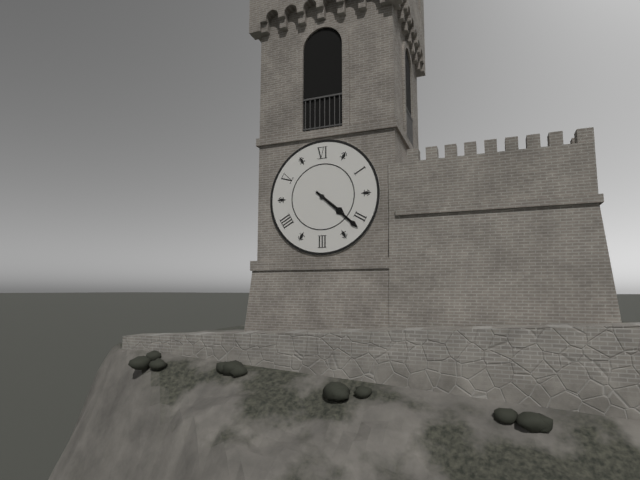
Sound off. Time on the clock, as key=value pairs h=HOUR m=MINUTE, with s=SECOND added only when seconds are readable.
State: h=4 m=22
